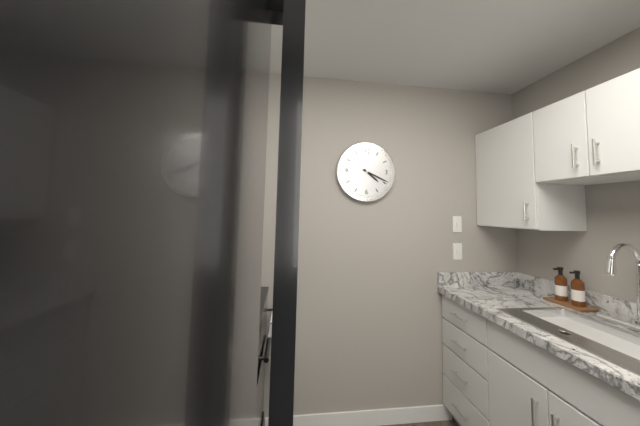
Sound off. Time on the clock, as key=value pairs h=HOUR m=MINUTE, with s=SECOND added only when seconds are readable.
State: h=4 m=19
